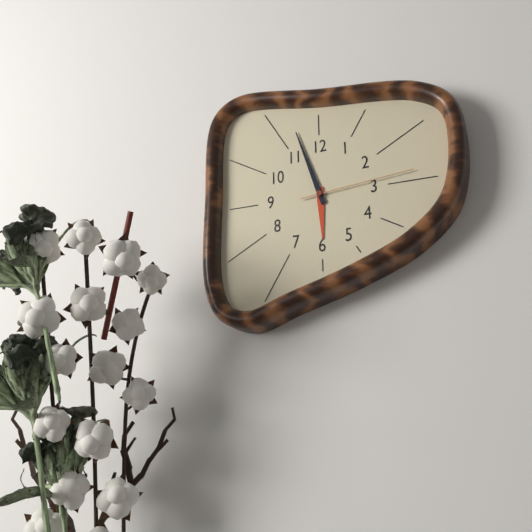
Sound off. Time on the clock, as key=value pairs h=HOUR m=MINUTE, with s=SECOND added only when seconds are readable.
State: h=5 m=57 s=14
